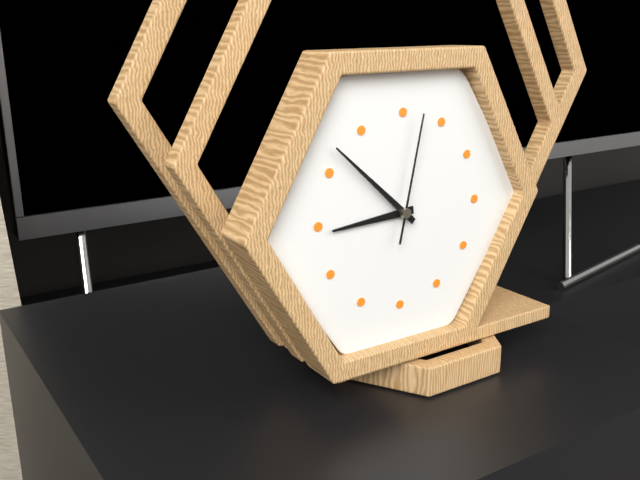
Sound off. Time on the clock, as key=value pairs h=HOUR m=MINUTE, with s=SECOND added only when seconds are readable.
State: h=8 m=52 s=2
